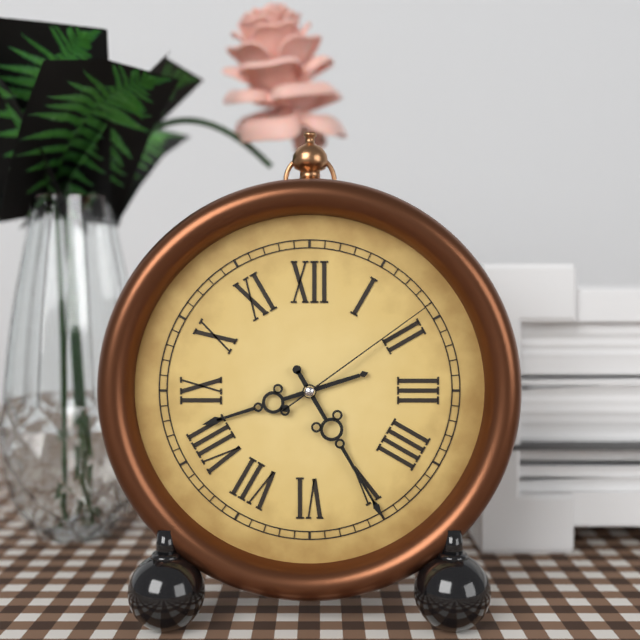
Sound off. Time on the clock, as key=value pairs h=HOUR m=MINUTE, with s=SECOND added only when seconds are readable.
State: h=8 m=25 s=9
